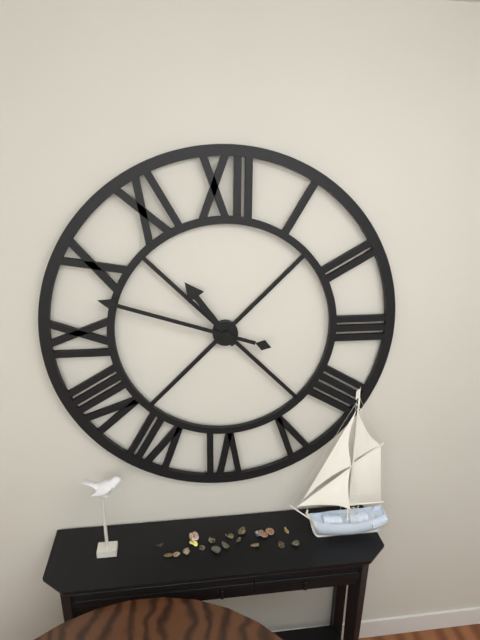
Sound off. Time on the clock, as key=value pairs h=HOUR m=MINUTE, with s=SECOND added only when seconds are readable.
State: h=10 m=48
